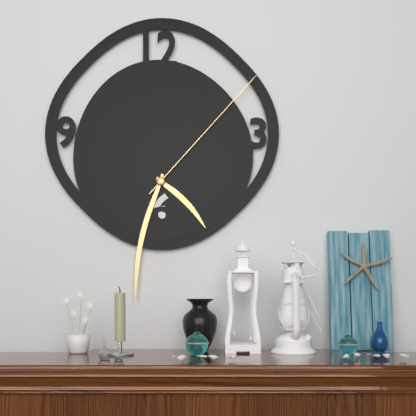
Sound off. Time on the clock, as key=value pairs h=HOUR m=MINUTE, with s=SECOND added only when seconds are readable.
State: h=4 m=32 s=7
